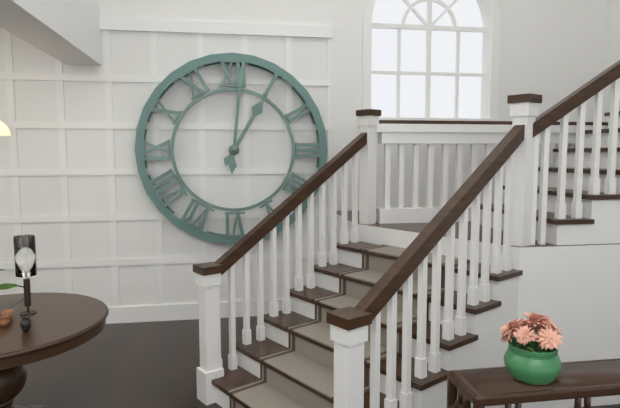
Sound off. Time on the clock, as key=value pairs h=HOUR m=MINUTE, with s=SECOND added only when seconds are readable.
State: h=1 m=1
